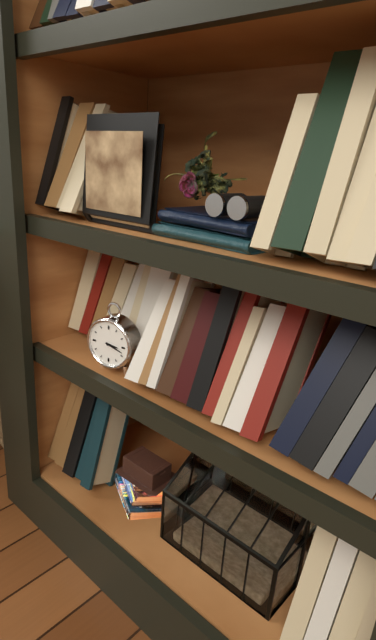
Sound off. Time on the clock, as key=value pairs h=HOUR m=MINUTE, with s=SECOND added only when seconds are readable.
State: h=3 m=18
